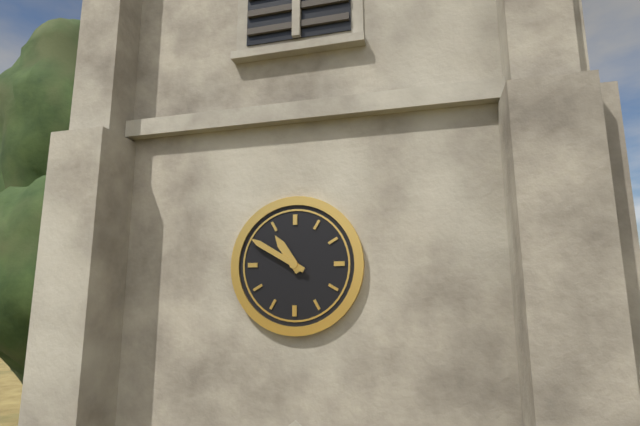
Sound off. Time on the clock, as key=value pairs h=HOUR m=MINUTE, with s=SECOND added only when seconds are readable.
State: h=10 m=50
